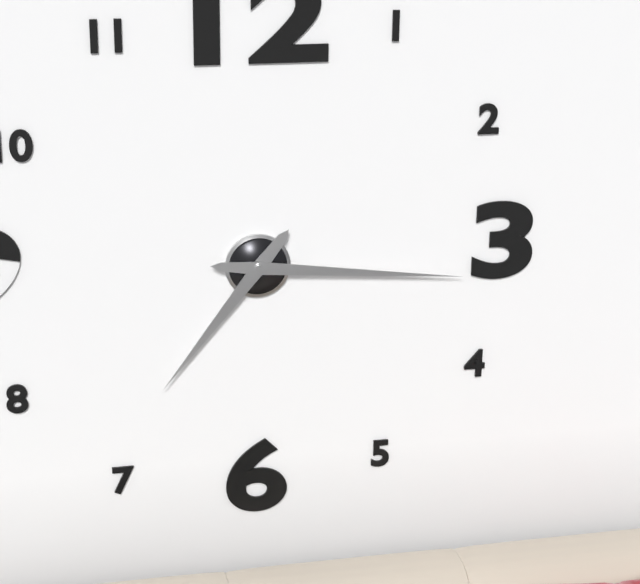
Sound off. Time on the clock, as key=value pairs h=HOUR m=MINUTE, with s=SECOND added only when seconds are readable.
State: h=7 m=16
